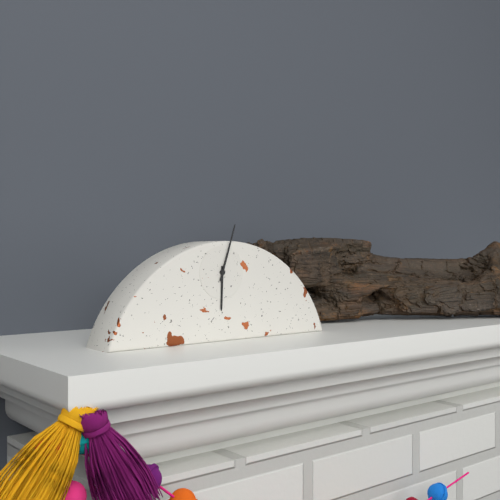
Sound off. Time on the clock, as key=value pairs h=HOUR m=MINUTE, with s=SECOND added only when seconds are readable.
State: h=6 m=3
